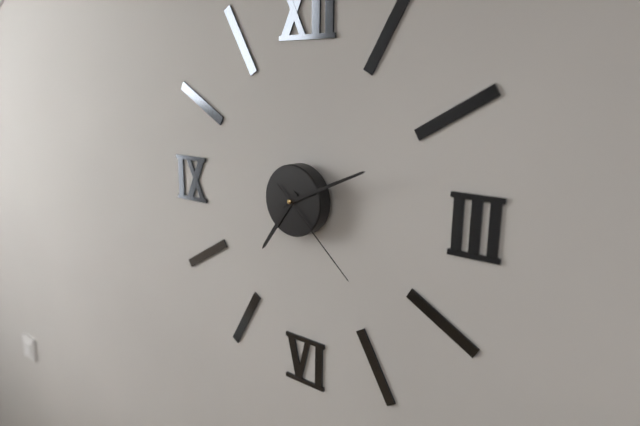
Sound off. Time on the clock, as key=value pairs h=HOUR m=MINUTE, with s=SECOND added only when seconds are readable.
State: h=7 m=11 s=22
